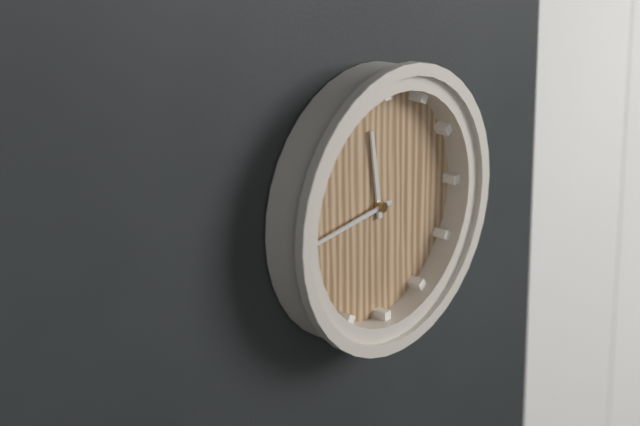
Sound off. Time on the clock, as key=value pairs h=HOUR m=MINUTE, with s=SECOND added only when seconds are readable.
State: h=11 m=44
